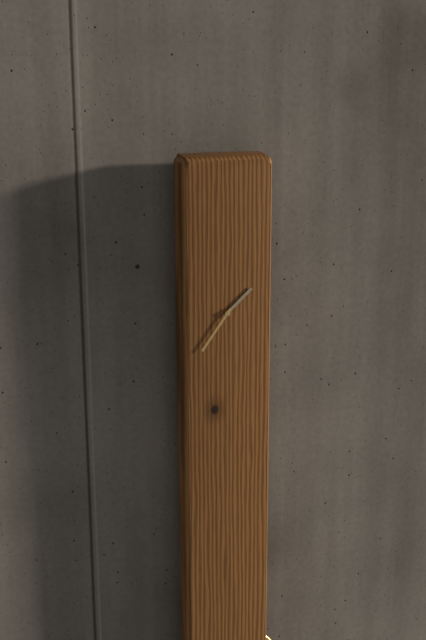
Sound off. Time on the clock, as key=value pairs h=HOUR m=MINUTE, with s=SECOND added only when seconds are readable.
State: h=1 m=36
